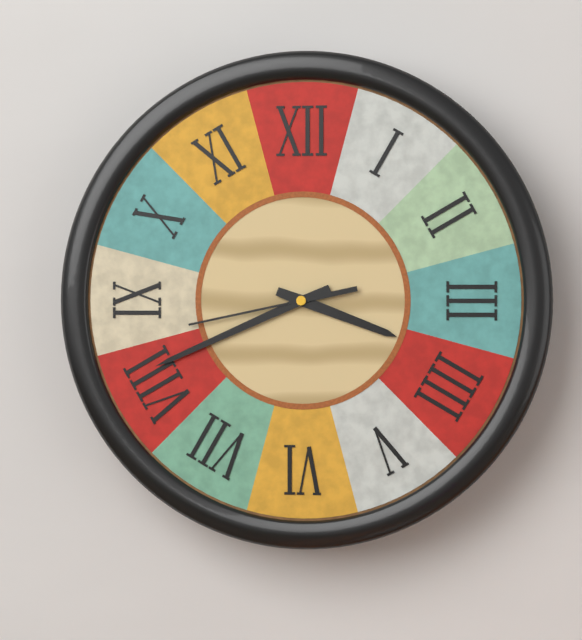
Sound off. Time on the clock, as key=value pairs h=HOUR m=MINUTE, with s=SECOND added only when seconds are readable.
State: h=3 m=41 s=43
